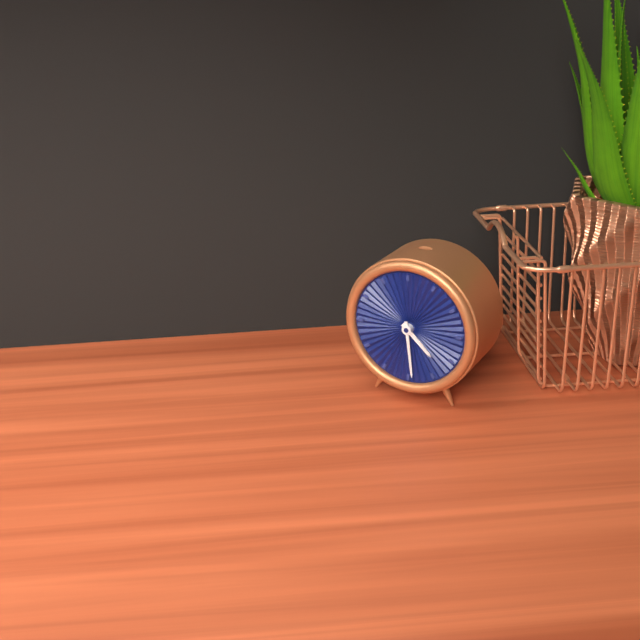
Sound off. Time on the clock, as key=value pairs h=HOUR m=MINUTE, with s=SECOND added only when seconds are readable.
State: h=4 m=29
